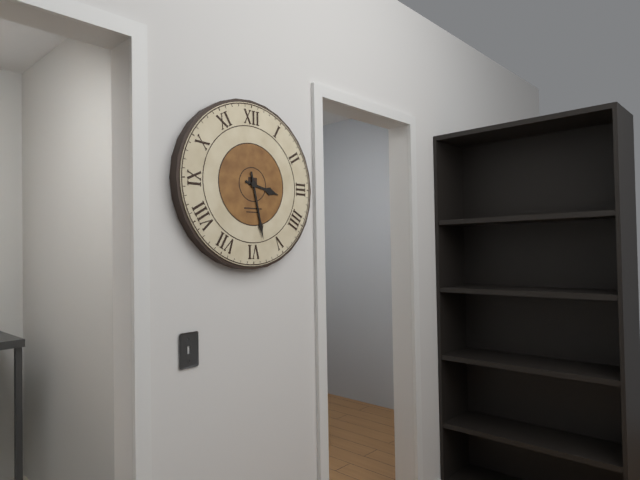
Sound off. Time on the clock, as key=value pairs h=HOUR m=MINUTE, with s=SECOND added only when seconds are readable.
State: h=3 m=28
